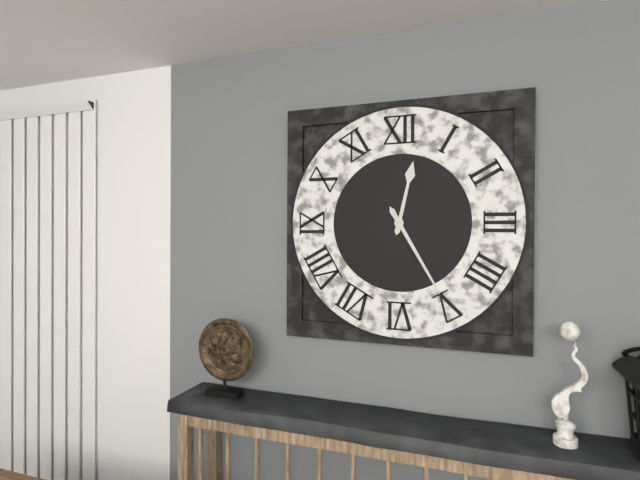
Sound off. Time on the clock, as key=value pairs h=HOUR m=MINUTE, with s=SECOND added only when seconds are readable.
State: h=12 m=25
